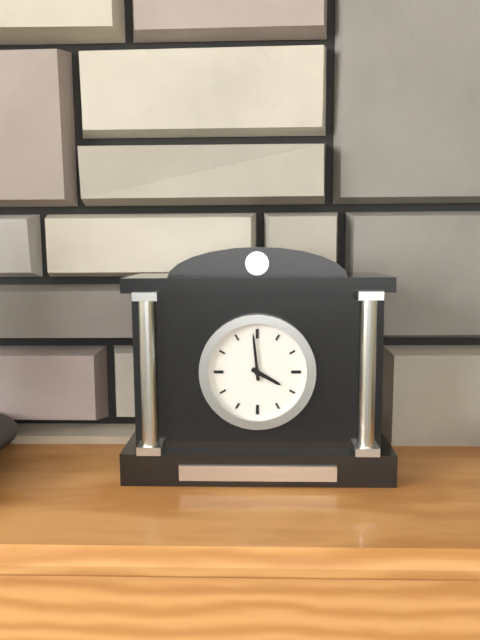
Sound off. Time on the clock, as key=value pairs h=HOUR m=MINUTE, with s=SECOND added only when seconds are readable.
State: h=3 m=59
